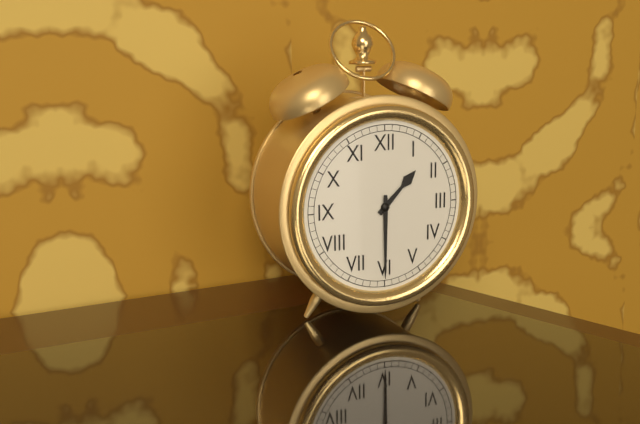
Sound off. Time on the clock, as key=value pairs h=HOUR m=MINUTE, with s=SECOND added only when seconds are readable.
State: h=1 m=30
